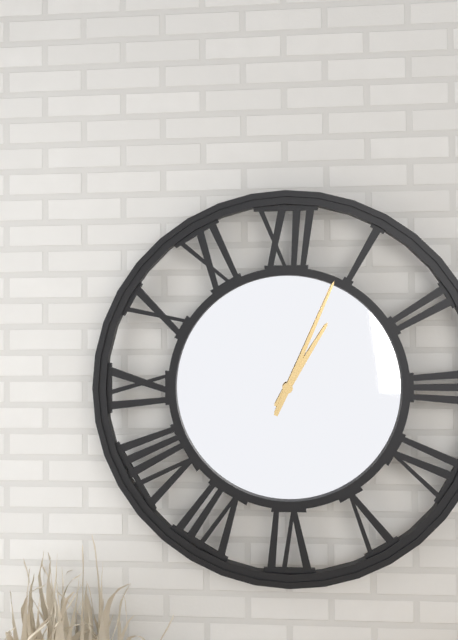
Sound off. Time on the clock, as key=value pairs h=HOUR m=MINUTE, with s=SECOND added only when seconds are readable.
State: h=1 m=4
